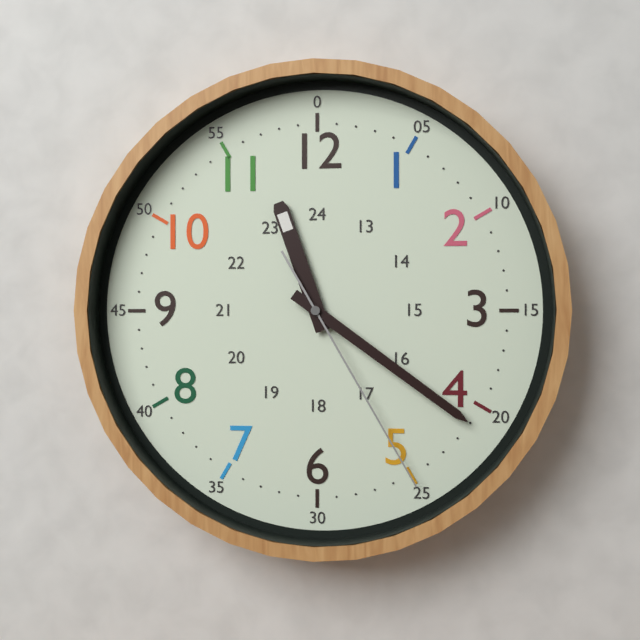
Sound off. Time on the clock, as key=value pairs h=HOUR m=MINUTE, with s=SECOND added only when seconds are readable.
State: h=11 m=21 s=25
